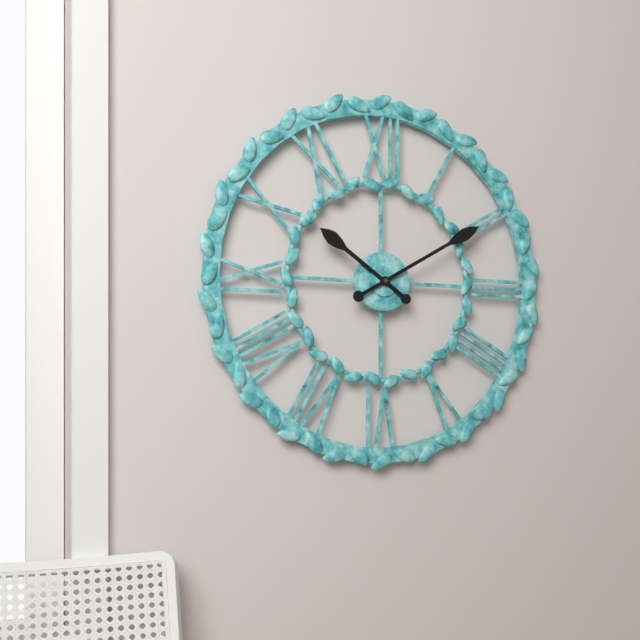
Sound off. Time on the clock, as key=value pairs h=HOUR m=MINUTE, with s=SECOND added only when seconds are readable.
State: h=10 m=10
